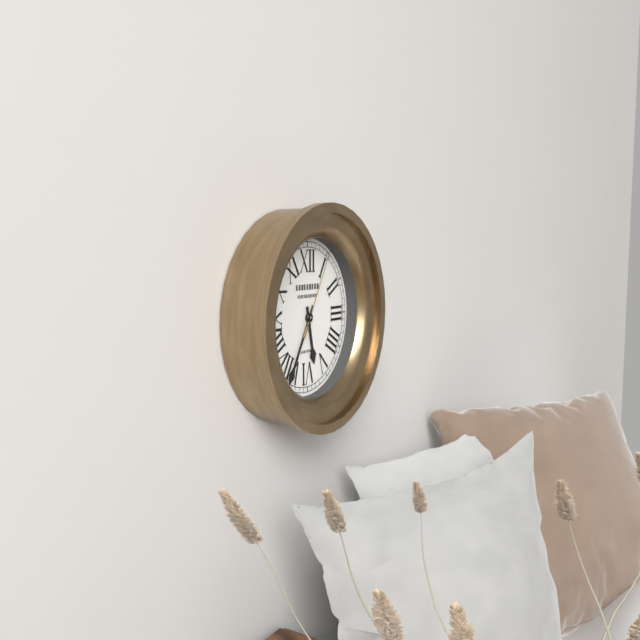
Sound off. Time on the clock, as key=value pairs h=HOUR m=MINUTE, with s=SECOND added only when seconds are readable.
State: h=5 m=35 s=5
